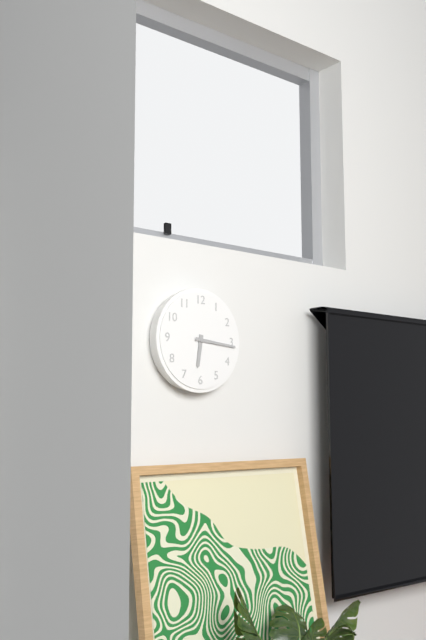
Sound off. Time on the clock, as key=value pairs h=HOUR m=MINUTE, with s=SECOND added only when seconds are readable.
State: h=6 m=16
